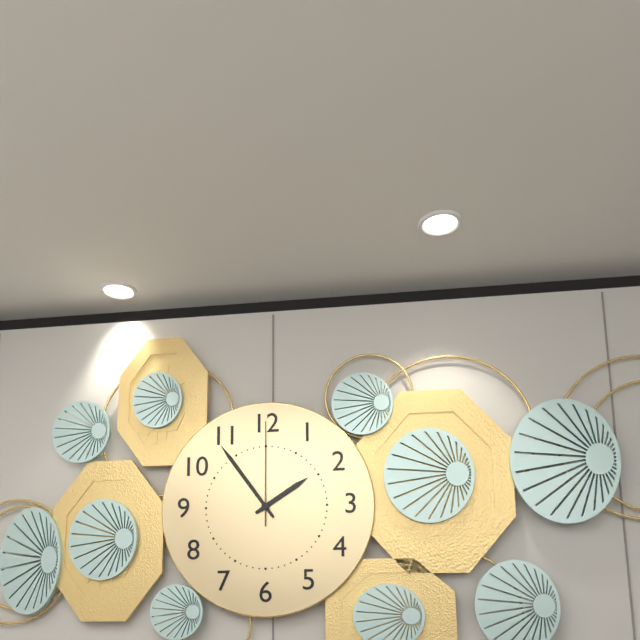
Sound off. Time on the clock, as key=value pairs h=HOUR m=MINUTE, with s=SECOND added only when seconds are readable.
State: h=1 m=54 s=0
